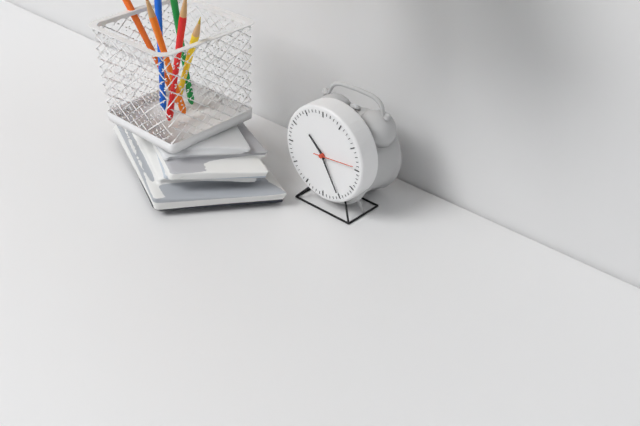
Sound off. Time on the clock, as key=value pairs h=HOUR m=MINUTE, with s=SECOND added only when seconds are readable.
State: h=10 m=25
